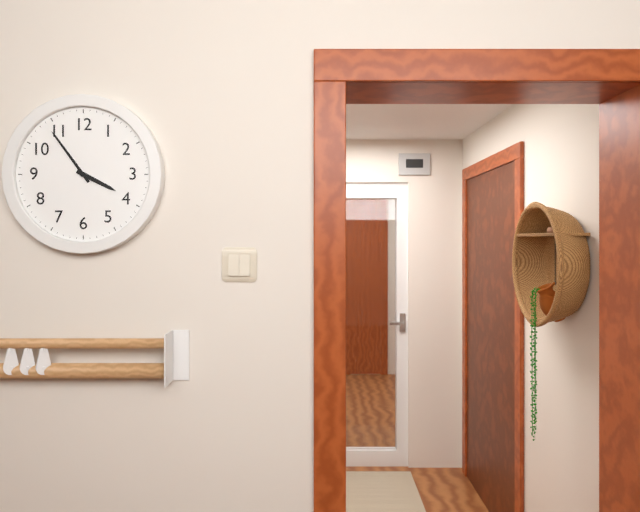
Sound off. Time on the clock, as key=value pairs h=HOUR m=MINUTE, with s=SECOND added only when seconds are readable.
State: h=3 m=54
